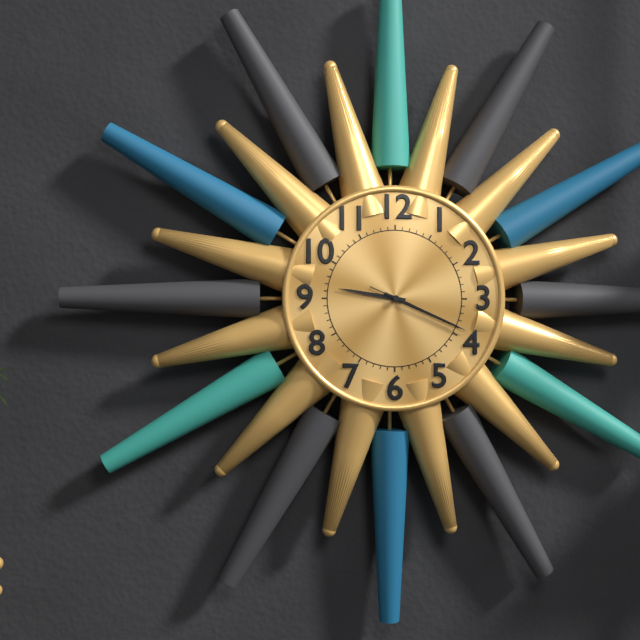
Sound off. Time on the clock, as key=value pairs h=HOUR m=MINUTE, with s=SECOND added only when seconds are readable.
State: h=9 m=19 s=19
